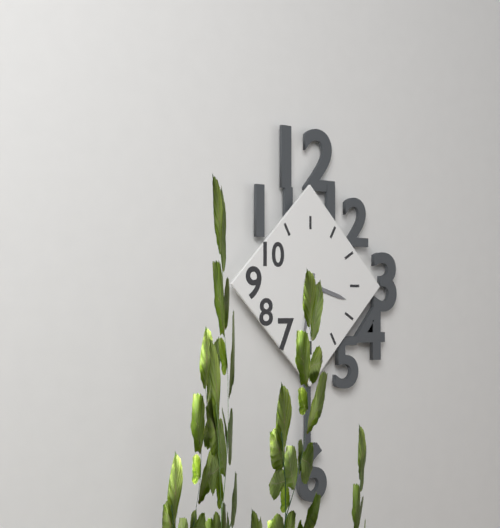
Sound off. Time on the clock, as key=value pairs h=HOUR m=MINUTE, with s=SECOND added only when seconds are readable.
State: h=3 m=32
